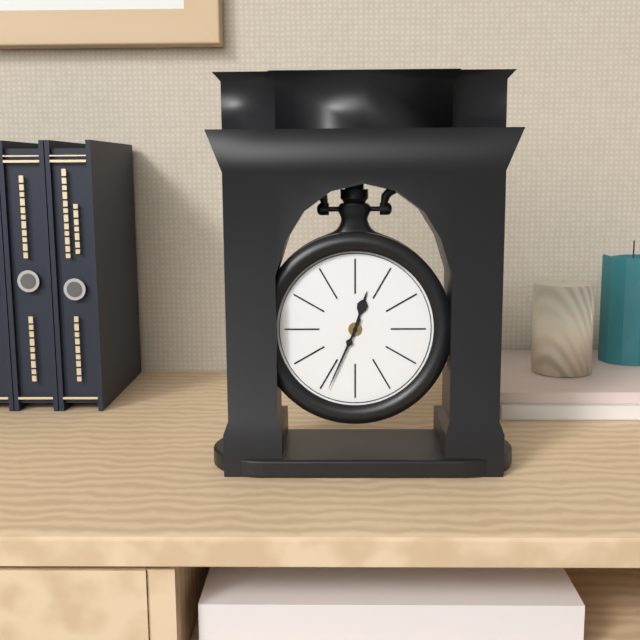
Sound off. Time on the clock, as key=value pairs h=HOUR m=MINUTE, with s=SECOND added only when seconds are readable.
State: h=12 m=34
